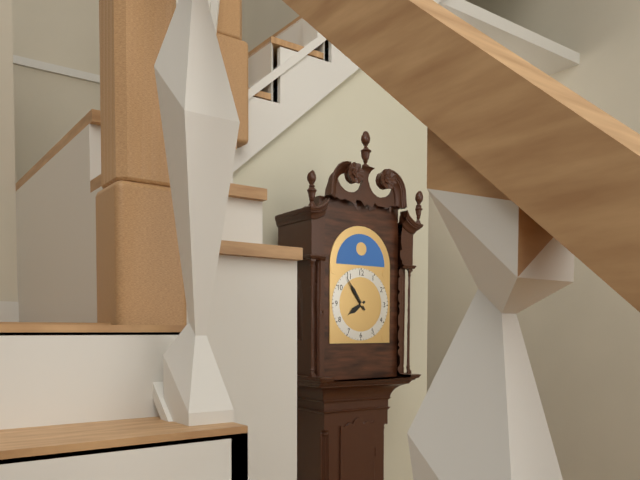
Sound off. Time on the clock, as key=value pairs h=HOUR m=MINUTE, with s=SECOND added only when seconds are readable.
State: h=7 m=54
